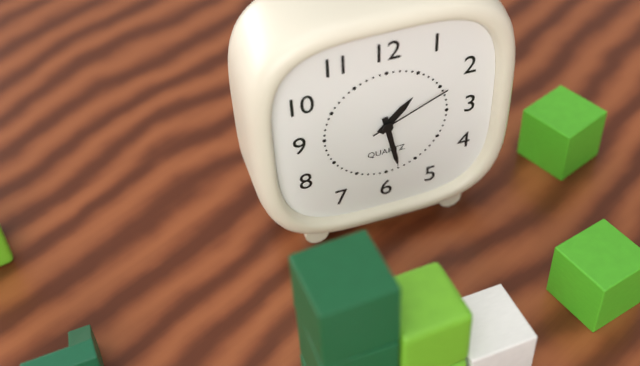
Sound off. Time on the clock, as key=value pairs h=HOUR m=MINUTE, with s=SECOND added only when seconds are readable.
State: h=1 m=28 s=11
